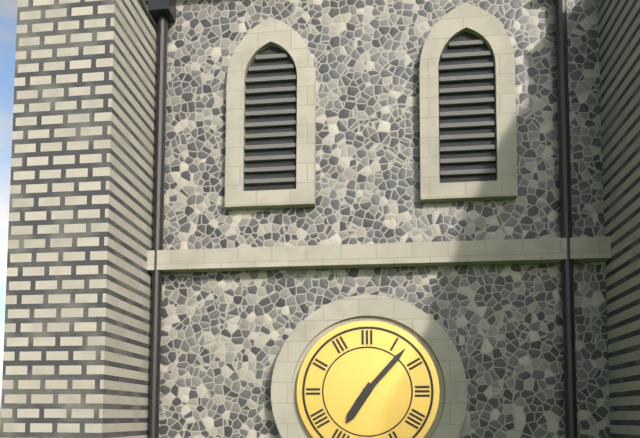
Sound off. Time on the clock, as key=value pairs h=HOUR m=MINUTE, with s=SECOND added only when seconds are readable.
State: h=7 m=7
